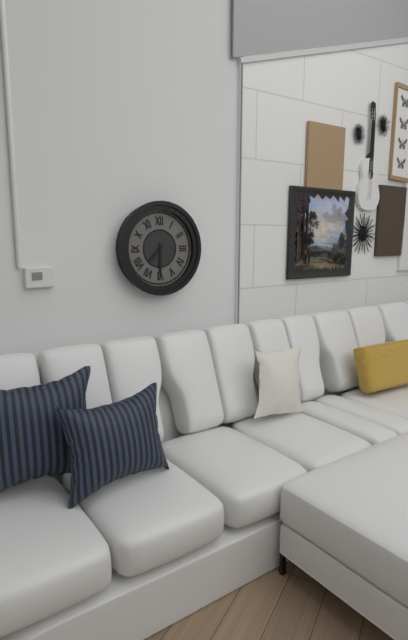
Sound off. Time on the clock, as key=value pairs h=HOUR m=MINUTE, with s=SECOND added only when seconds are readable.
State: h=7 m=30
